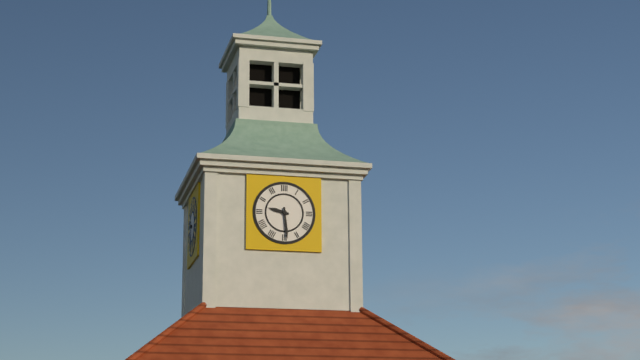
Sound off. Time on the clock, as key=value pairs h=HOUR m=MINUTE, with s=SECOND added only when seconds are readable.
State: h=9 m=29
